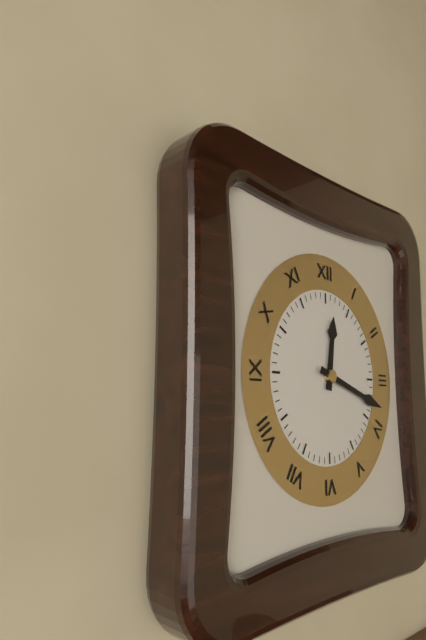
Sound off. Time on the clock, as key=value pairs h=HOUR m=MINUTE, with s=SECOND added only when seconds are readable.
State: h=12 m=18
